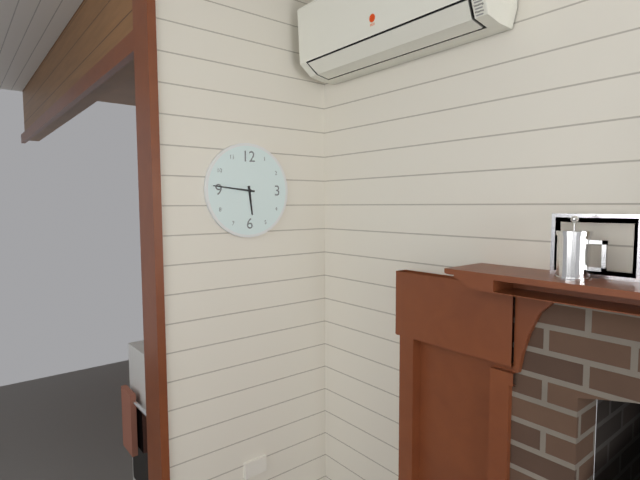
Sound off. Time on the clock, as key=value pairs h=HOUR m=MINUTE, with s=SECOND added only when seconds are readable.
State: h=5 m=46
